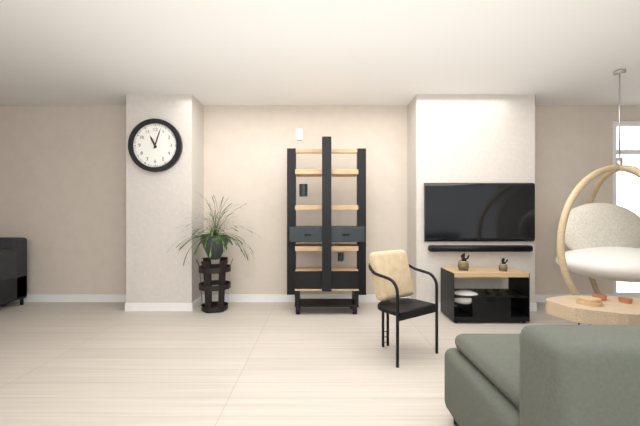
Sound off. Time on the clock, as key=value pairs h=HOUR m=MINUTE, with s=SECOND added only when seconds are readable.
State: h=11 m=3
